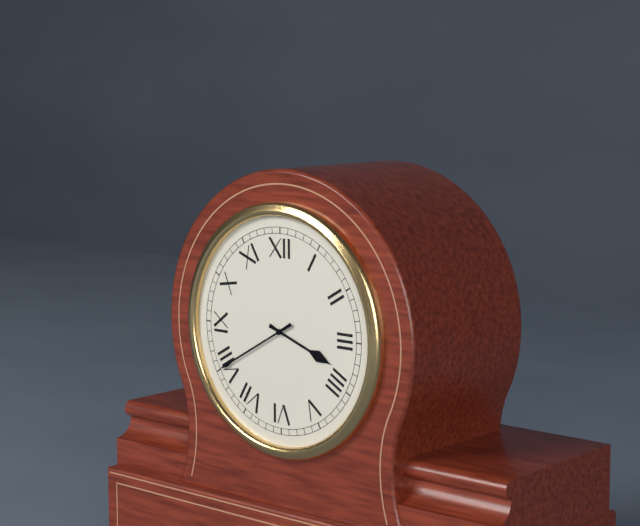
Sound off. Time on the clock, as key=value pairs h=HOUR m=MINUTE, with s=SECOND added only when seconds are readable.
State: h=3 m=40
